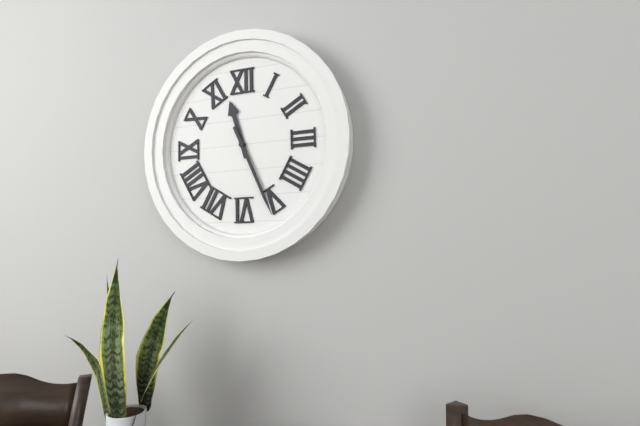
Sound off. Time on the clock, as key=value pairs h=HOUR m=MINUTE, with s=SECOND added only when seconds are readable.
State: h=11 m=26
